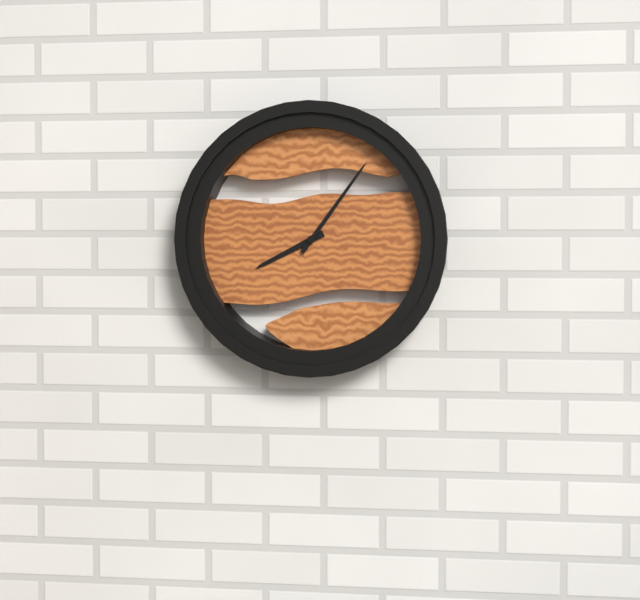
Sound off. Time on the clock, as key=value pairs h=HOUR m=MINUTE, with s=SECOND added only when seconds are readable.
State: h=8 m=6
